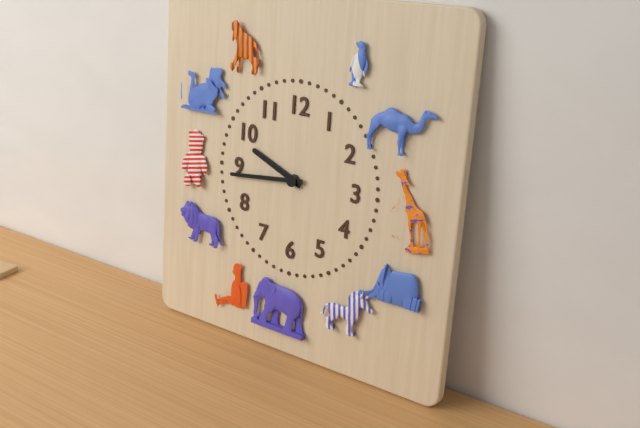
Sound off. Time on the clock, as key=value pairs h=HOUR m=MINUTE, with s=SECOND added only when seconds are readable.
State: h=9 m=44
